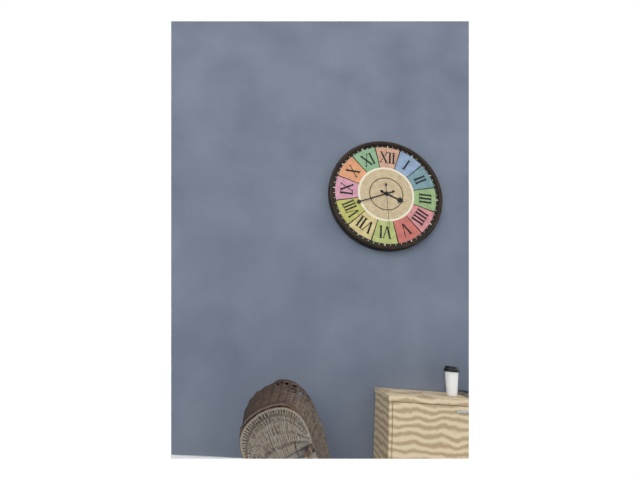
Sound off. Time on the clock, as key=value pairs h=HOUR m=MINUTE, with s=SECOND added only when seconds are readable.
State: h=3 m=41
